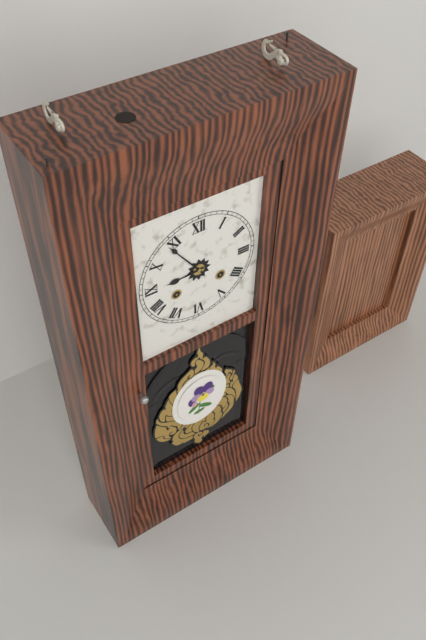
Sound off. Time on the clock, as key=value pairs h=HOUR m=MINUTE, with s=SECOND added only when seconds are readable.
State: h=8 m=54
